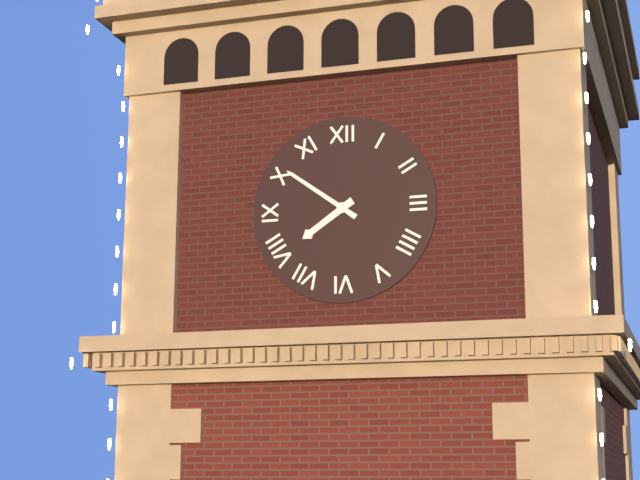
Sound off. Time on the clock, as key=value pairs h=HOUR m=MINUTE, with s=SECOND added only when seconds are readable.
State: h=7 m=51
